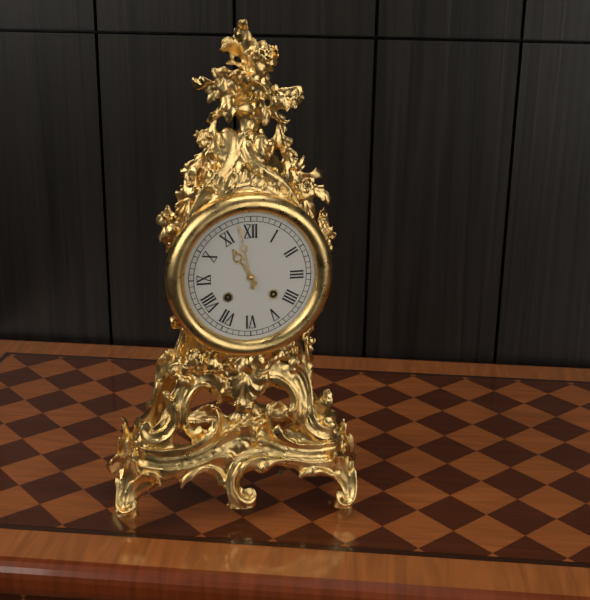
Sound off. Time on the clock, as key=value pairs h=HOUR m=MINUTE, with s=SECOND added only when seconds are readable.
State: h=10 m=58
